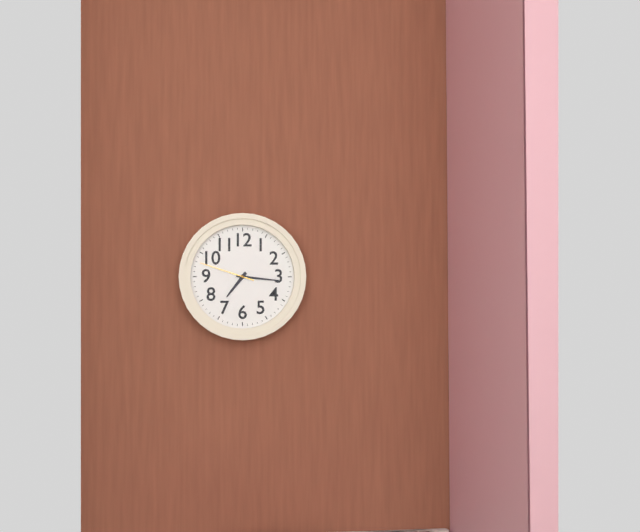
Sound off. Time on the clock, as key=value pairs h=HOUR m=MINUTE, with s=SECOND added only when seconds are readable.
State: h=7 m=16 s=48
